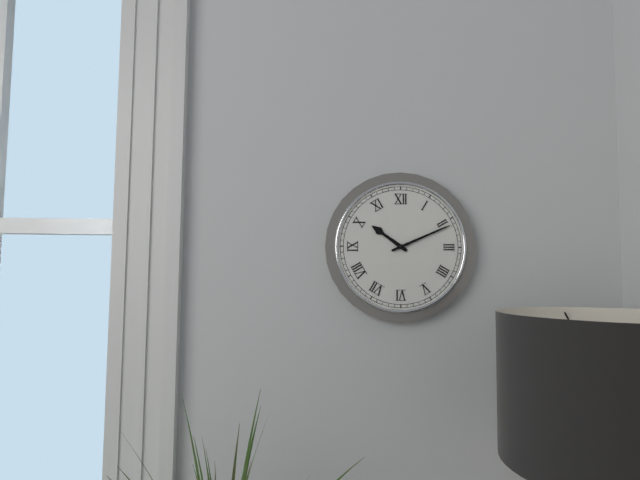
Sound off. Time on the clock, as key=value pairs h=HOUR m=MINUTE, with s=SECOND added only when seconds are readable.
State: h=10 m=11
